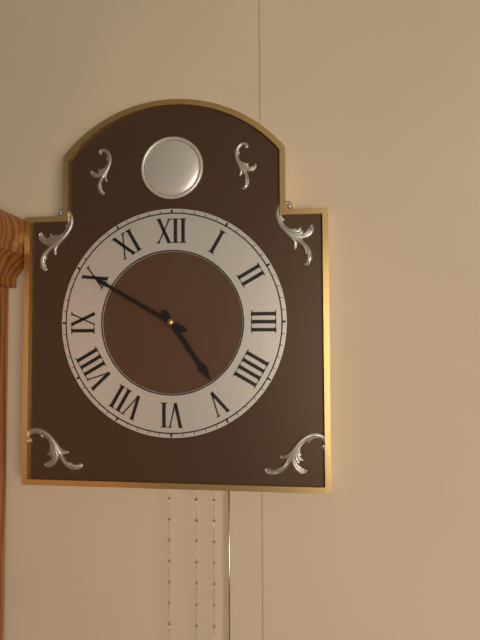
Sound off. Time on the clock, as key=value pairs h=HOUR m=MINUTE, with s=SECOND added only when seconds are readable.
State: h=4 m=50
